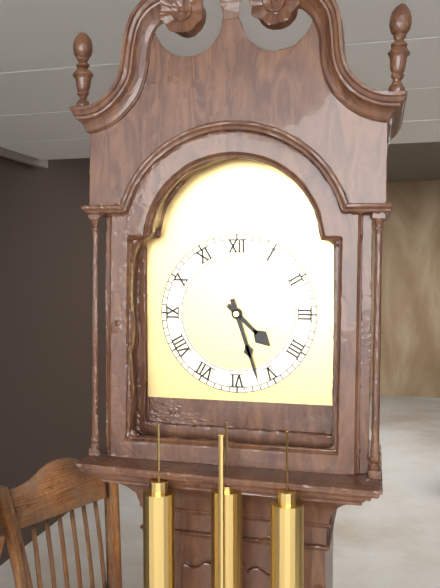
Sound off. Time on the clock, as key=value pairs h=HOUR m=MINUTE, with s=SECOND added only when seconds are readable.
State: h=4 m=27
